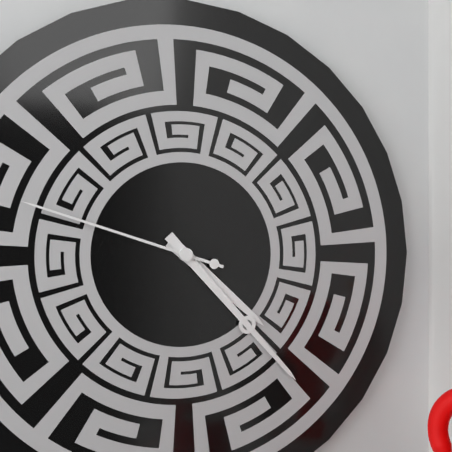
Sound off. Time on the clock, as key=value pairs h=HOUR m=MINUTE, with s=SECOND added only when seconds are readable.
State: h=4 m=23 s=48
